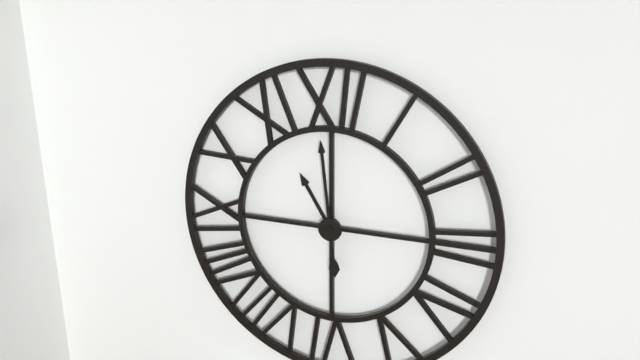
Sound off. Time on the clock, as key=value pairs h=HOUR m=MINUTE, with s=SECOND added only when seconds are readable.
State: h=10 m=59
